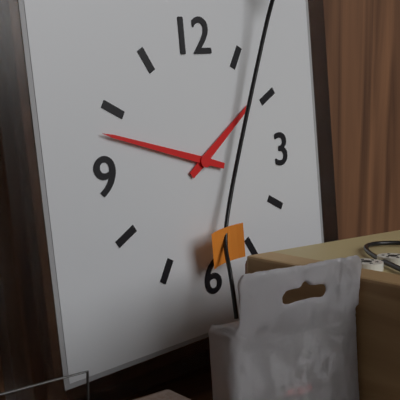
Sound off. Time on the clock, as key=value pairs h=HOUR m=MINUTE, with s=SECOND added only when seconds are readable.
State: h=1 m=48
